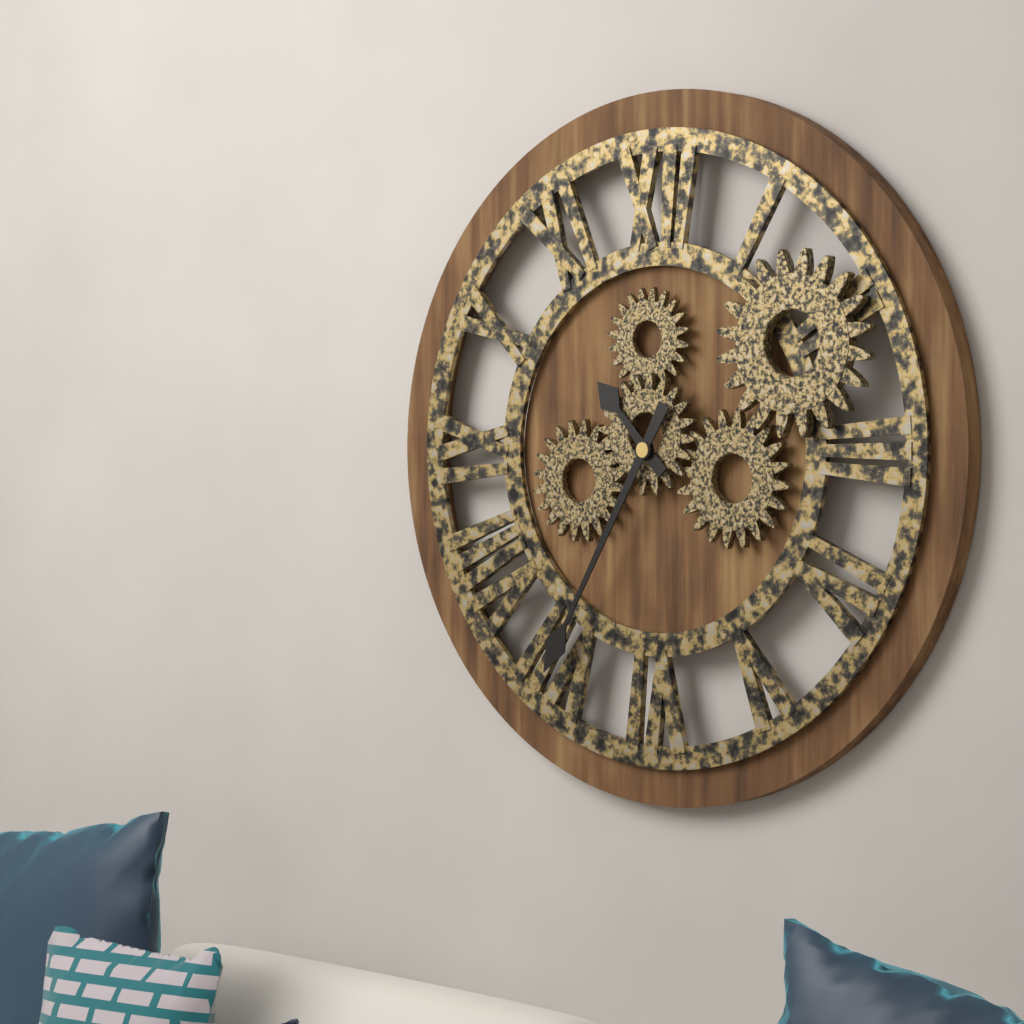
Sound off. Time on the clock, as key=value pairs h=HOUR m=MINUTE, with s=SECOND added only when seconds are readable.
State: h=10 m=35
